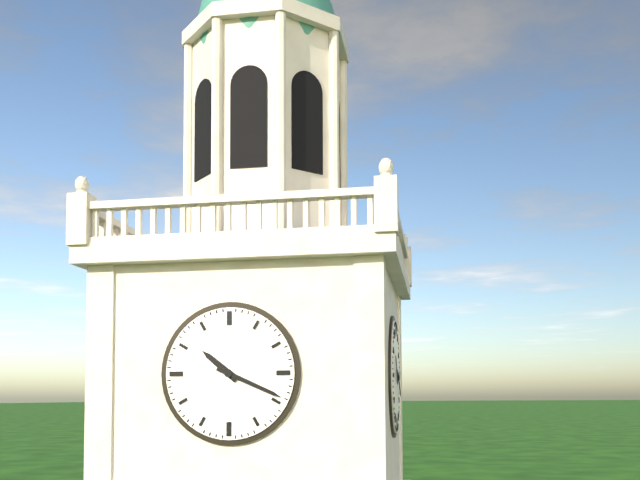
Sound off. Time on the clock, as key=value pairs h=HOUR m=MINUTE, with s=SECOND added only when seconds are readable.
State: h=10 m=19
